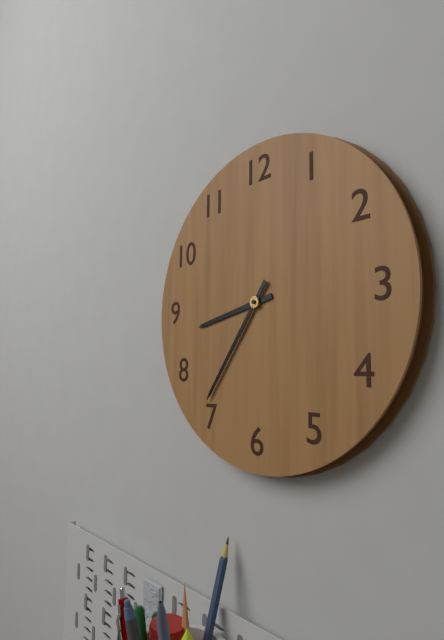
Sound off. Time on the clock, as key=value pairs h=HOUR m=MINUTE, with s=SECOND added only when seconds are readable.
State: h=8 m=36
